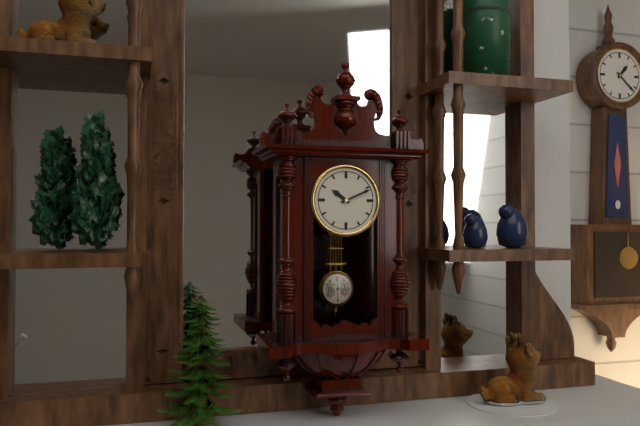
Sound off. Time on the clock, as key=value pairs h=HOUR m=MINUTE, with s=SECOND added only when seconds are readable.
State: h=10 m=11
